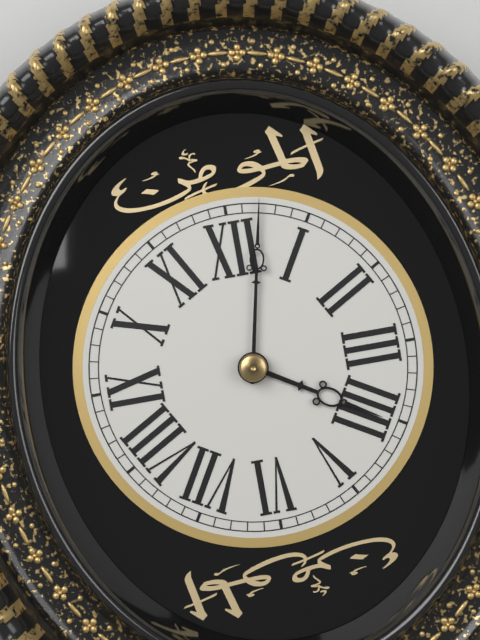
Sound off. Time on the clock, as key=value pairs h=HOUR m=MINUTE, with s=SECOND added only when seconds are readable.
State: h=4 m=2
